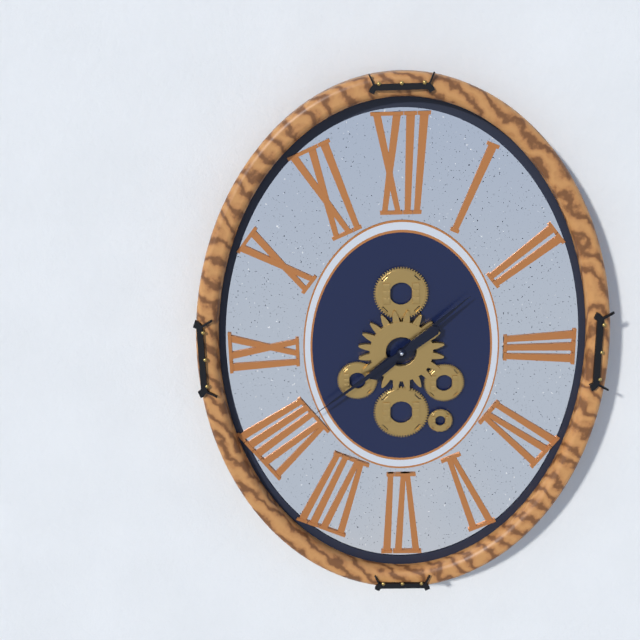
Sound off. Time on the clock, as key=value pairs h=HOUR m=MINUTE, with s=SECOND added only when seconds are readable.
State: h=1 m=39
